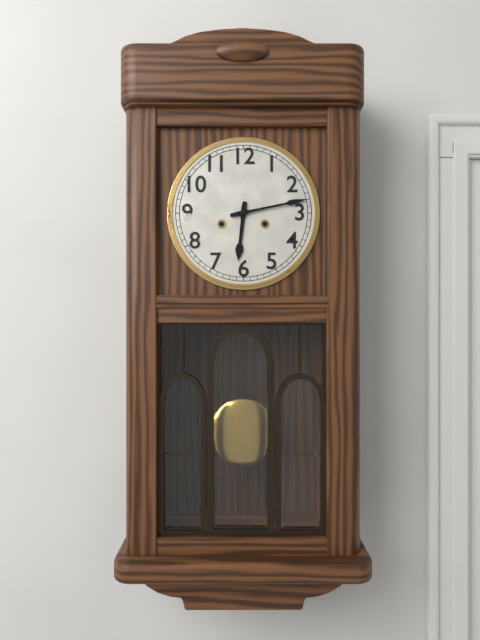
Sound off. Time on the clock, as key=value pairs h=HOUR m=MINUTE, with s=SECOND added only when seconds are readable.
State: h=6 m=13
